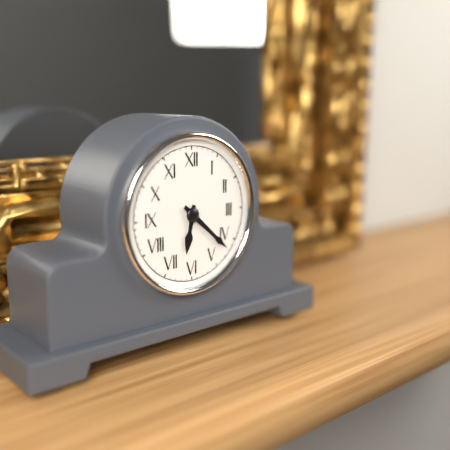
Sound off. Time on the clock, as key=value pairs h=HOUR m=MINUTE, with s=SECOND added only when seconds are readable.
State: h=6 m=22
